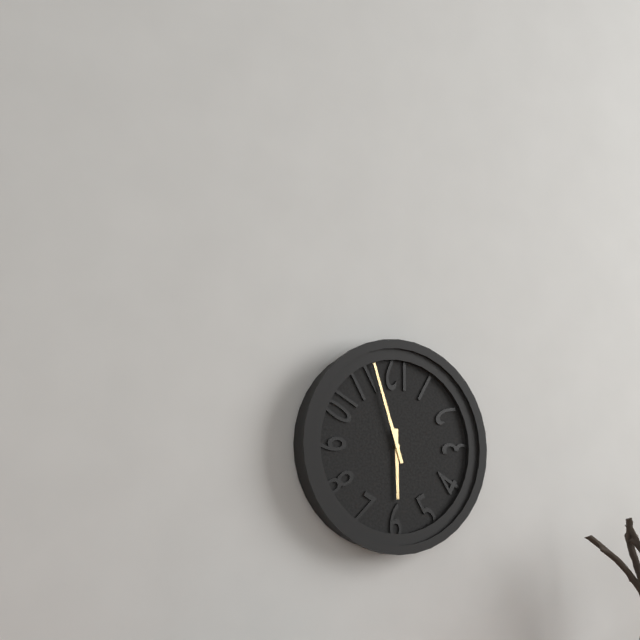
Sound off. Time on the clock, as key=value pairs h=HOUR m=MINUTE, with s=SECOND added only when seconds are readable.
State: h=5 m=57
